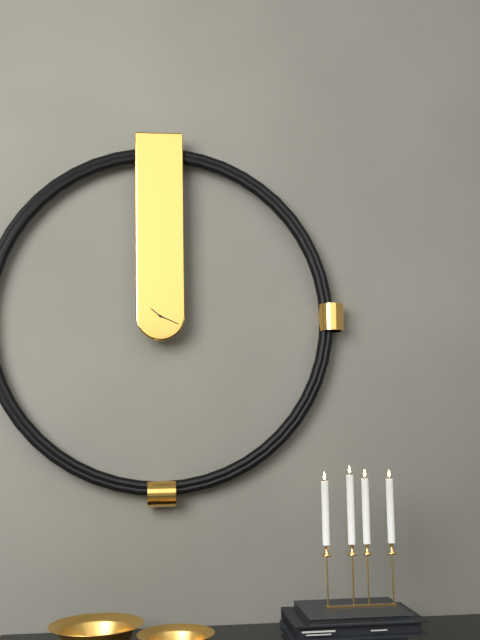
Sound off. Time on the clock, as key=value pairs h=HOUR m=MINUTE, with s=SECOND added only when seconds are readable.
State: h=10 m=19
